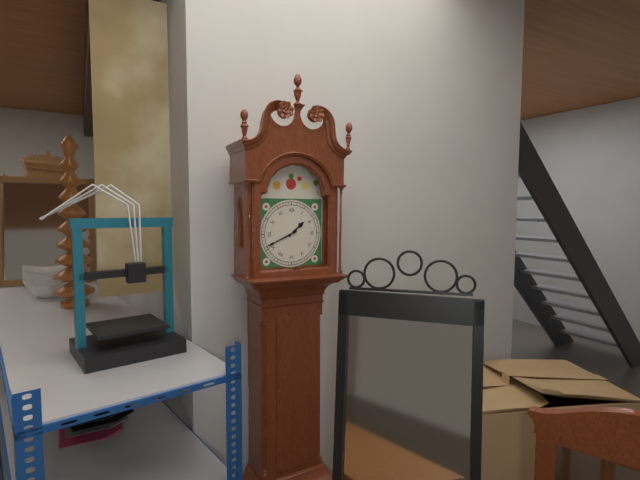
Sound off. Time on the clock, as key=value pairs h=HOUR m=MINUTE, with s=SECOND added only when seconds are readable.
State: h=1 m=41
